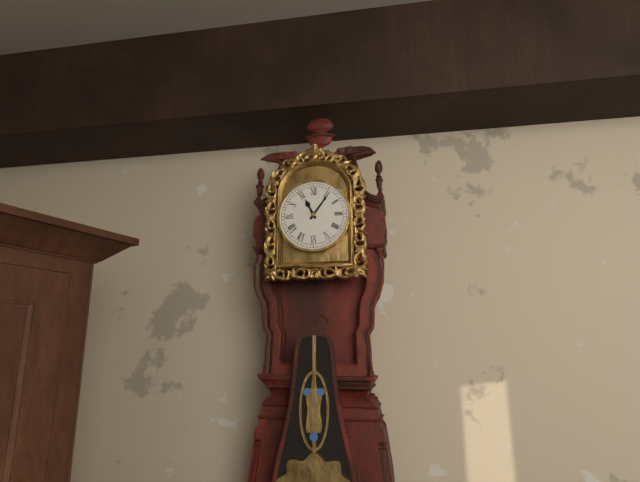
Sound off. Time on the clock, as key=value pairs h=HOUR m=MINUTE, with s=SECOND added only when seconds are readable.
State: h=11 m=6
